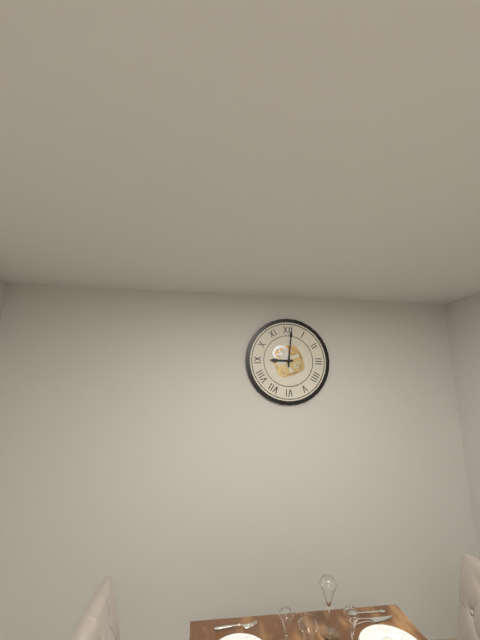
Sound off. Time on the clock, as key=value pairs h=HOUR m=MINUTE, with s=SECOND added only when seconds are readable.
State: h=9 m=1
